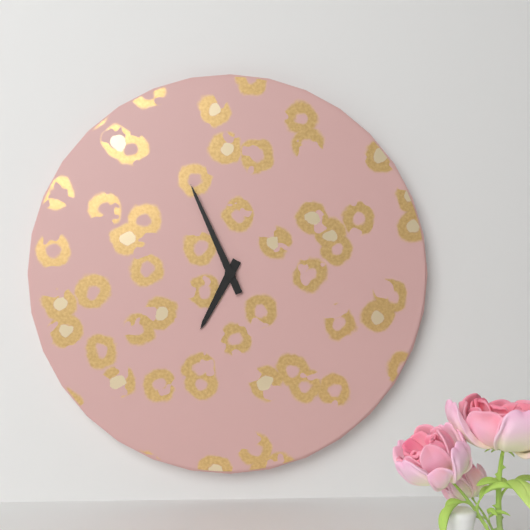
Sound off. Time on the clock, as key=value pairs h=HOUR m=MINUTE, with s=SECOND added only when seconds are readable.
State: h=6 m=56
